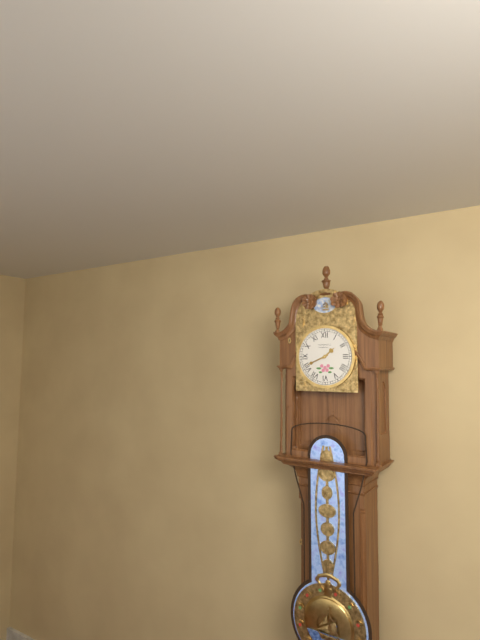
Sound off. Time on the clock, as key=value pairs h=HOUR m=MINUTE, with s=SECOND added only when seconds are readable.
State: h=1 m=41
